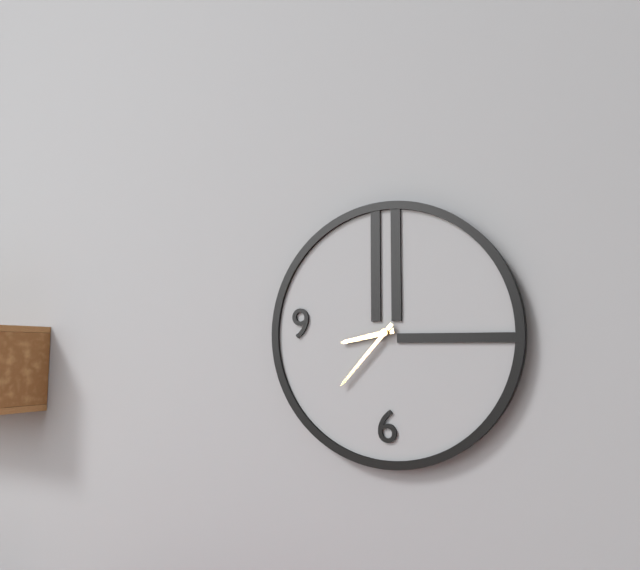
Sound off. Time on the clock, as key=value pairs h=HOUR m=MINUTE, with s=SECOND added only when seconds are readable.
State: h=8 m=37
